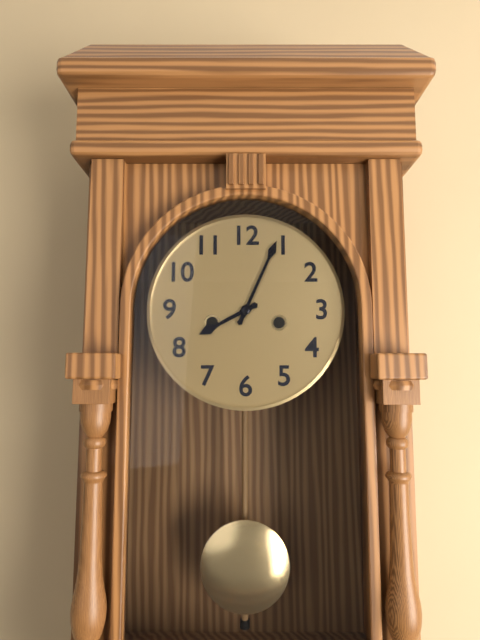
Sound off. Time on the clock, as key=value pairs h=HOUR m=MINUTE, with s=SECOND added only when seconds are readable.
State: h=8 m=4
